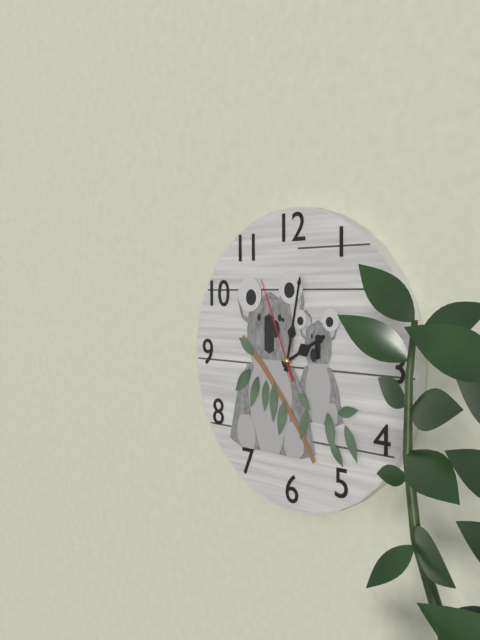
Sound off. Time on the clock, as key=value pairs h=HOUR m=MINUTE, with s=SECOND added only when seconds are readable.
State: h=2 m=2 s=56
